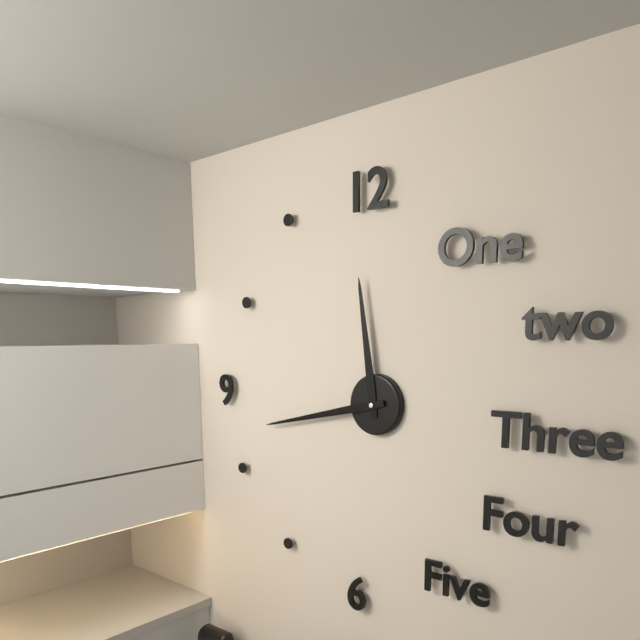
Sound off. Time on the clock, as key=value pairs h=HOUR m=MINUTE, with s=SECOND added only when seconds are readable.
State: h=11 m=43
